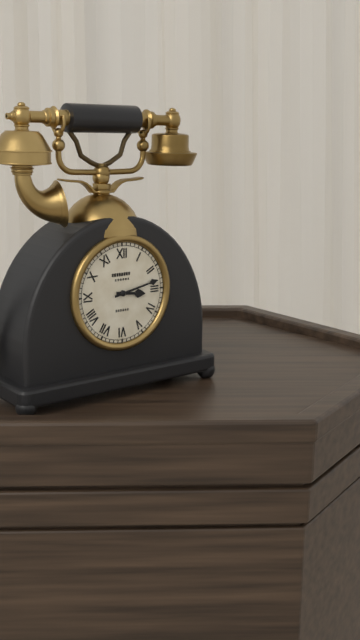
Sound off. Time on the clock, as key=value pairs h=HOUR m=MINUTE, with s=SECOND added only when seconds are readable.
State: h=3 m=13
